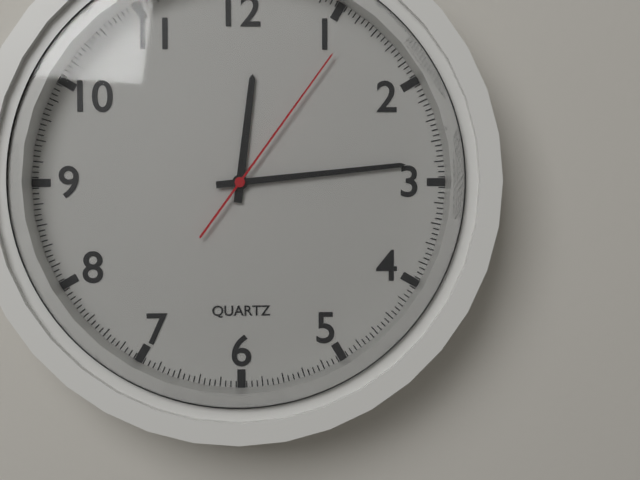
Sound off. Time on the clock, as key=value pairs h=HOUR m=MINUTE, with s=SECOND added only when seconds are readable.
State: h=12 m=14 s=6
